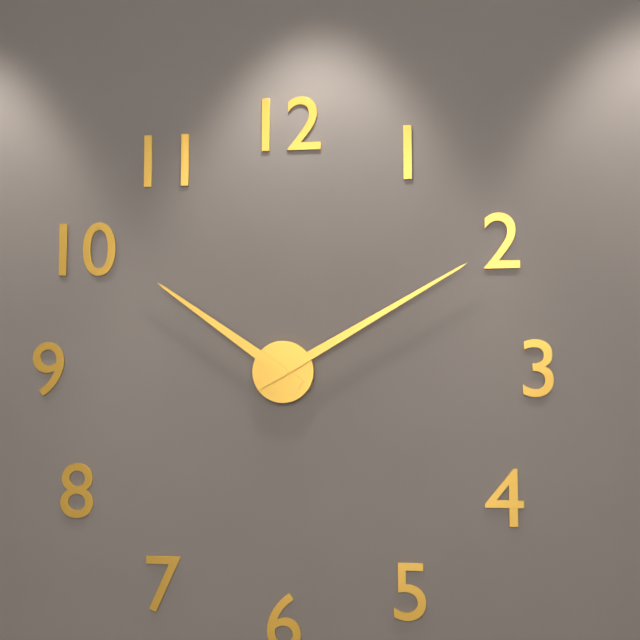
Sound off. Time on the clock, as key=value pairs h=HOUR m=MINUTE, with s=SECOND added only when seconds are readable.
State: h=10 m=10
